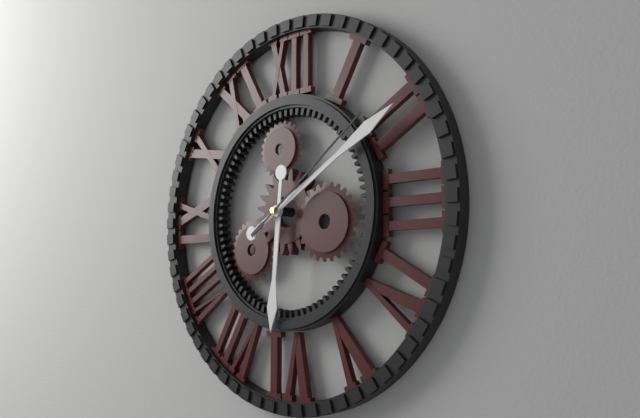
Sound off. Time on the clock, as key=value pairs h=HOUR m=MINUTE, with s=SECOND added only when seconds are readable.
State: h=6 m=10 s=9
